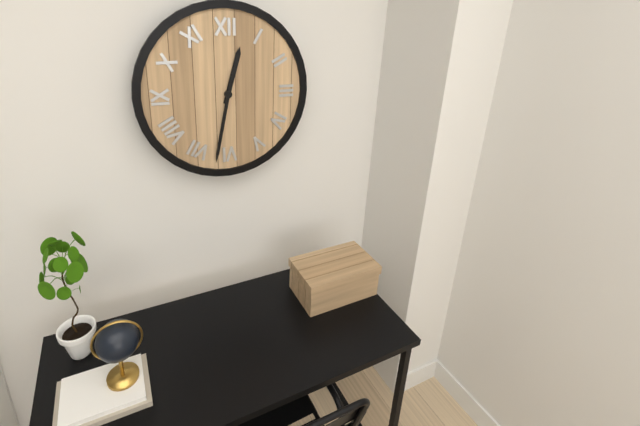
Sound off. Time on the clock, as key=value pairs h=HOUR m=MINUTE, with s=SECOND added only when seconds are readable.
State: h=12 m=32
